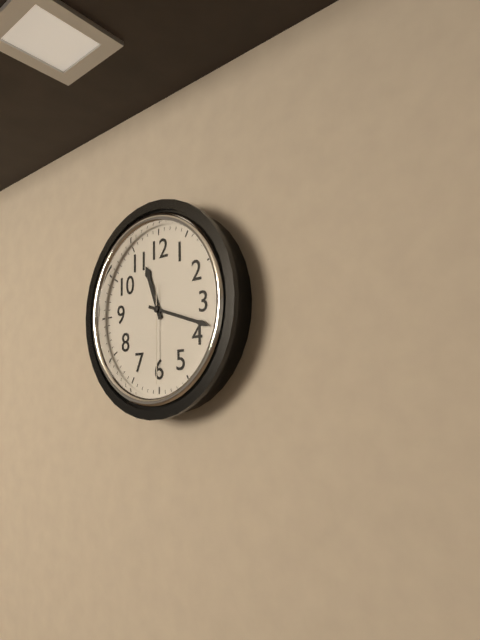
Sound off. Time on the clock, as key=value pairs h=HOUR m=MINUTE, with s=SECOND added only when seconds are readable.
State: h=11 m=18 s=30
